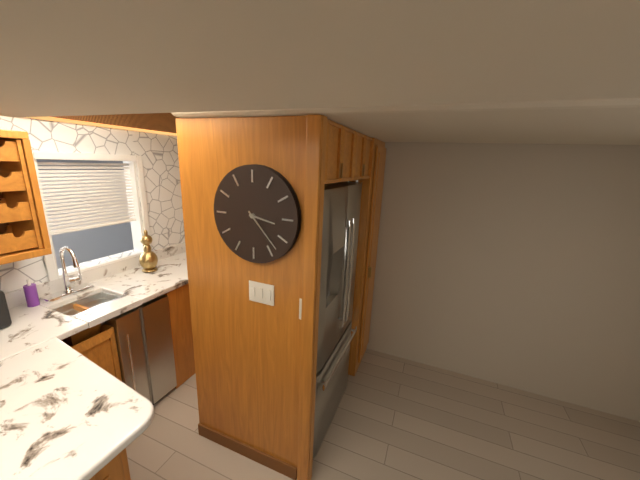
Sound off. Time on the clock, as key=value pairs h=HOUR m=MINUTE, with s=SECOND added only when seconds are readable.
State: h=3 m=23
